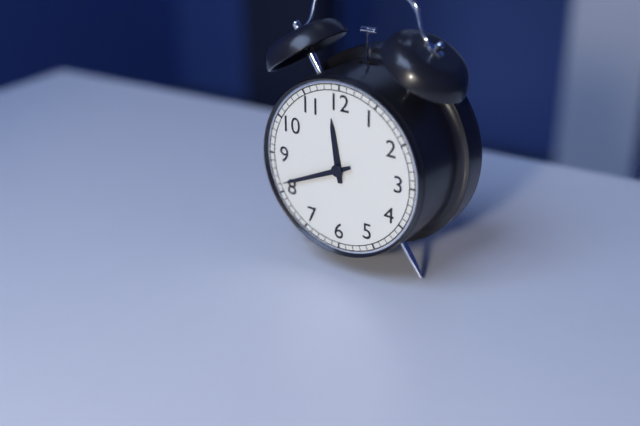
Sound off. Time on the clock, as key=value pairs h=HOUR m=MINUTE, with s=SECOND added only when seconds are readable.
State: h=11 m=41
